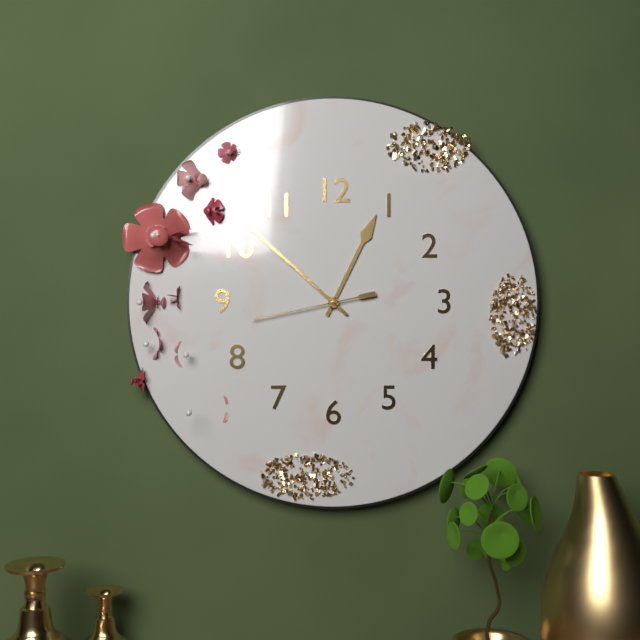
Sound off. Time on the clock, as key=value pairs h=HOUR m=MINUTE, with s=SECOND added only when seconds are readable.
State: h=12 m=52 s=43
